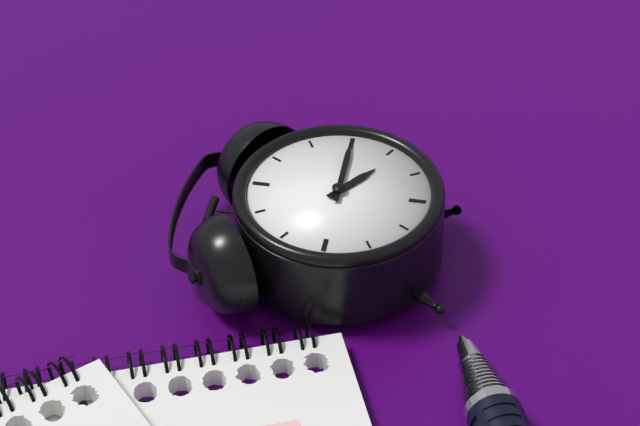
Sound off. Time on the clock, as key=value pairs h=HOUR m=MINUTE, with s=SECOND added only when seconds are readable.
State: h=4 m=15
